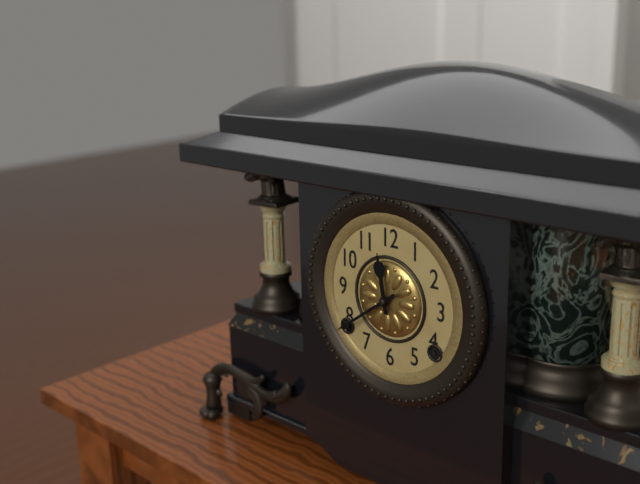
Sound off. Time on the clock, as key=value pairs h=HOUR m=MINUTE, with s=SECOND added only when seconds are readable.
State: h=11 m=39
